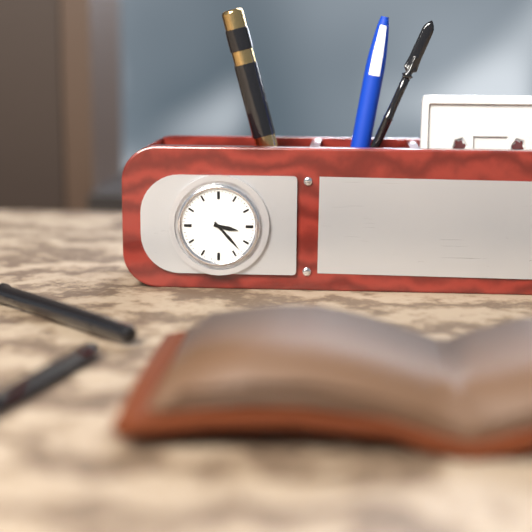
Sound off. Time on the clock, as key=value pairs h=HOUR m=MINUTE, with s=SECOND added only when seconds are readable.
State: h=3 m=23
